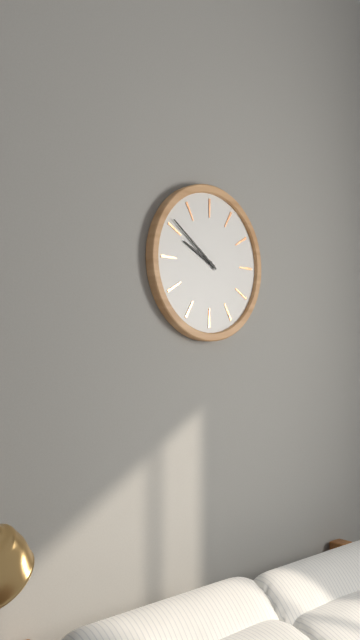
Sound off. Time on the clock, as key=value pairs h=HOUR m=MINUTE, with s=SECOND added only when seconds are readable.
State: h=9 m=51
